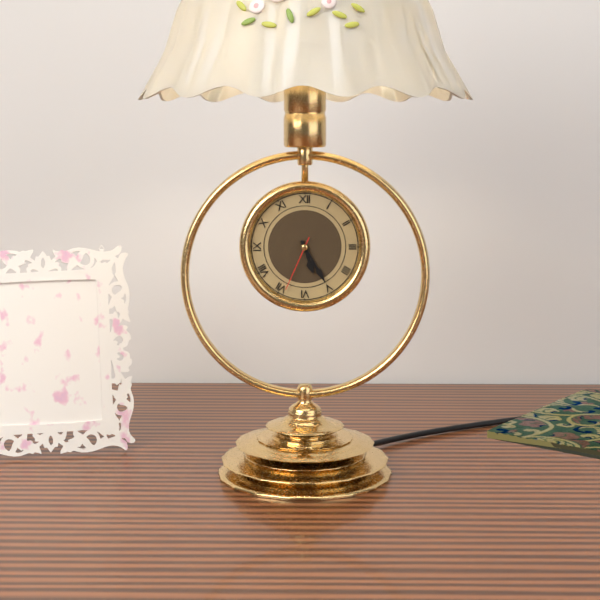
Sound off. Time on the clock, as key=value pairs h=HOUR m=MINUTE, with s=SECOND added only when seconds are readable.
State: h=5 m=25 s=34
